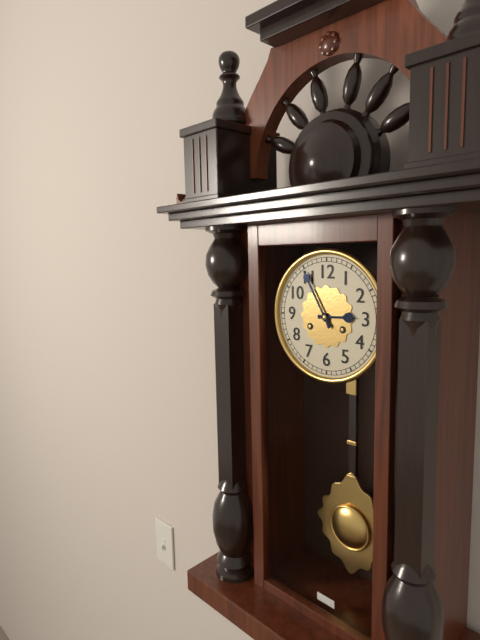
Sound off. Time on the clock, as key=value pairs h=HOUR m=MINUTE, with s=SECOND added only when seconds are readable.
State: h=2 m=55
